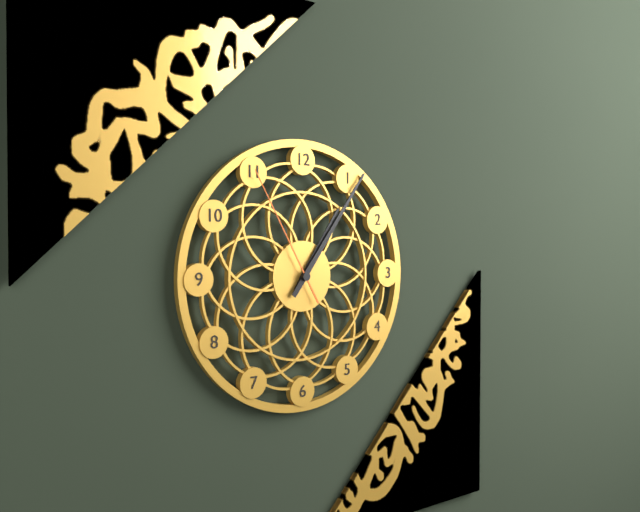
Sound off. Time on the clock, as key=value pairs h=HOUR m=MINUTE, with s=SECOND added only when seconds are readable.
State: h=1 m=6 s=55
